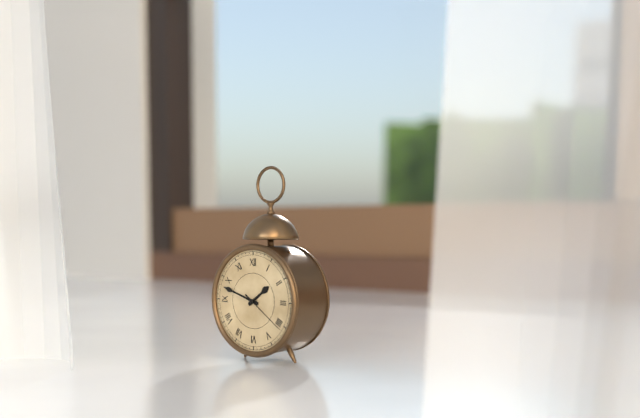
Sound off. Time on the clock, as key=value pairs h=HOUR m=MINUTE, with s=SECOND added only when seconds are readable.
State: h=1 m=48
